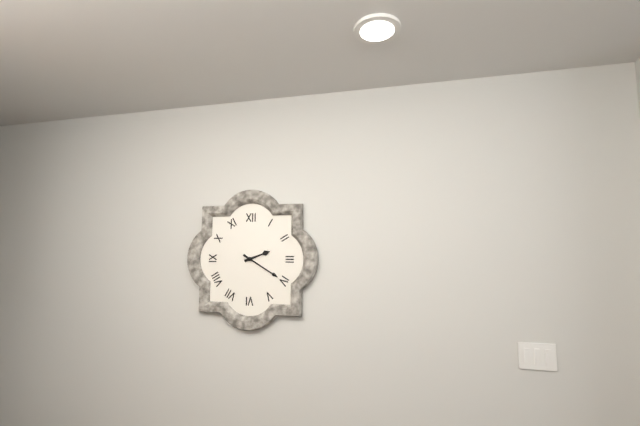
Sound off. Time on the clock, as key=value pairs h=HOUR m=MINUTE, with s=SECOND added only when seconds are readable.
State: h=2 m=20
